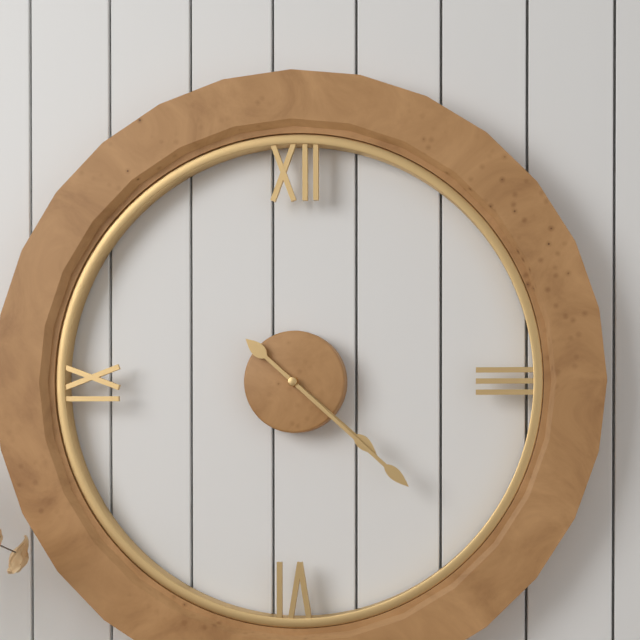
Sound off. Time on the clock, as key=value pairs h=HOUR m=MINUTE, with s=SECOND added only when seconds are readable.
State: h=4 m=22
